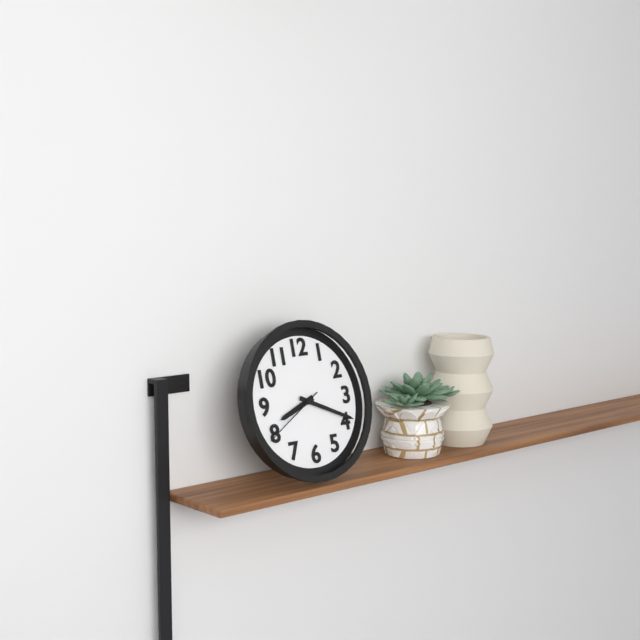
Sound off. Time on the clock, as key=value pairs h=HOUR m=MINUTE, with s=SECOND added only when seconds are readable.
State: h=8 m=19 s=40
